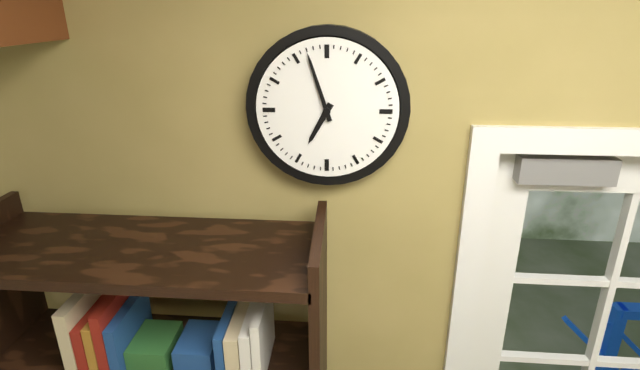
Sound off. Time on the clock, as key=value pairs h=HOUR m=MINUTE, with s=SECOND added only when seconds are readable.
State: h=6 m=57
